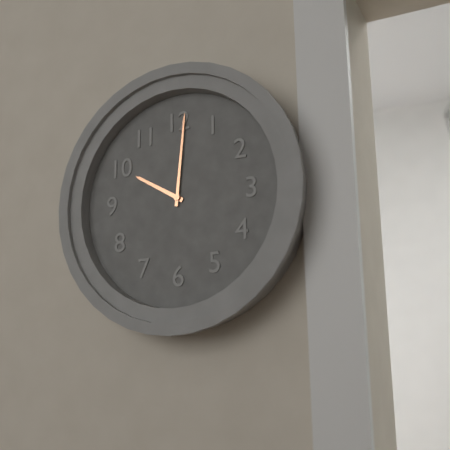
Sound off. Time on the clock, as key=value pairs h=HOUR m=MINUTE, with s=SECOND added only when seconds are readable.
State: h=10 m=1
